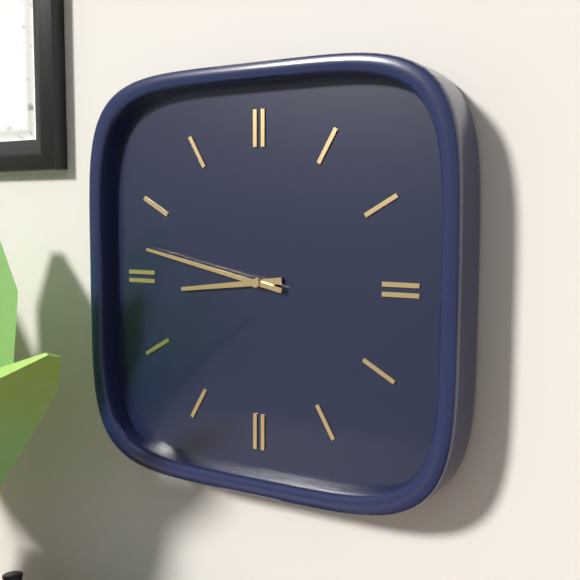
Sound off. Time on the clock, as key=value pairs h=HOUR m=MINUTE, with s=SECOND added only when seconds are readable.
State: h=8 m=47
